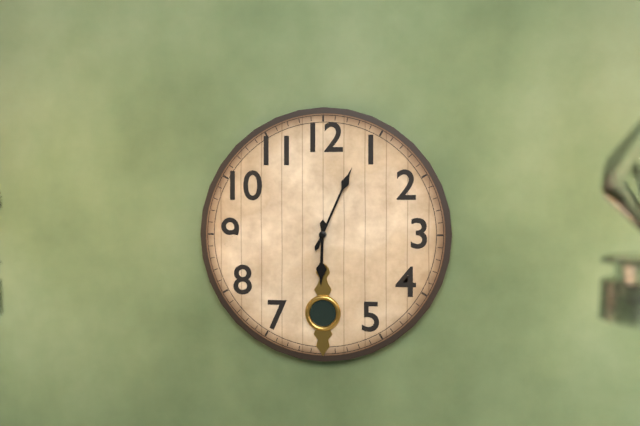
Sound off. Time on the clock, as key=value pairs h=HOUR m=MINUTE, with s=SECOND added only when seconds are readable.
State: h=6 m=4
